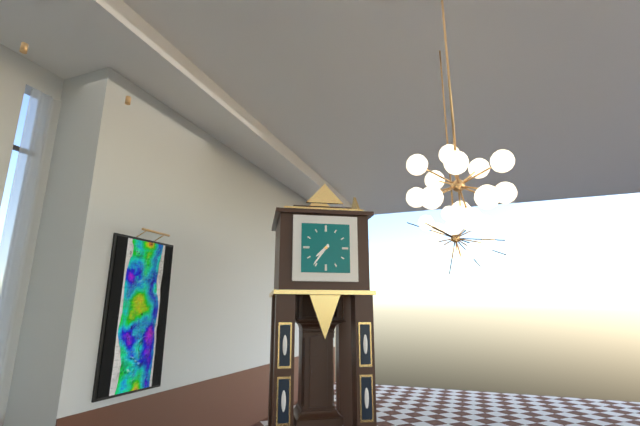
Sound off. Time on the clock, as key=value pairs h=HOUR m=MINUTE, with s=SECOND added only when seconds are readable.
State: h=7 m=36
